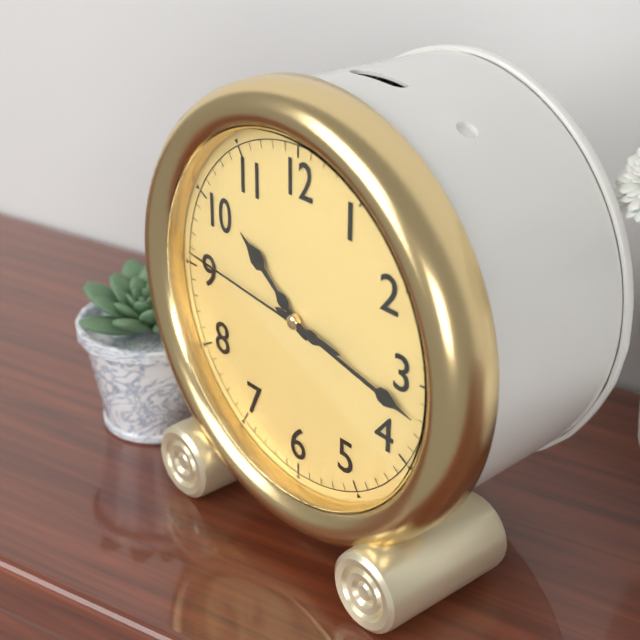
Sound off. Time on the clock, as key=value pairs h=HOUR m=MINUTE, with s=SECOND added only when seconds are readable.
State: h=10 m=17 s=46
